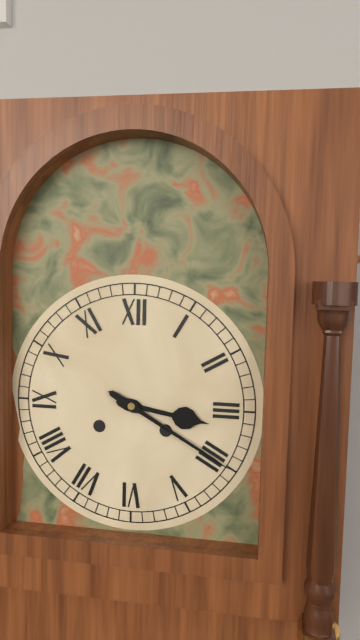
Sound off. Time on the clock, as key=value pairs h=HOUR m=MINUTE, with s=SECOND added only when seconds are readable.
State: h=3 m=20
